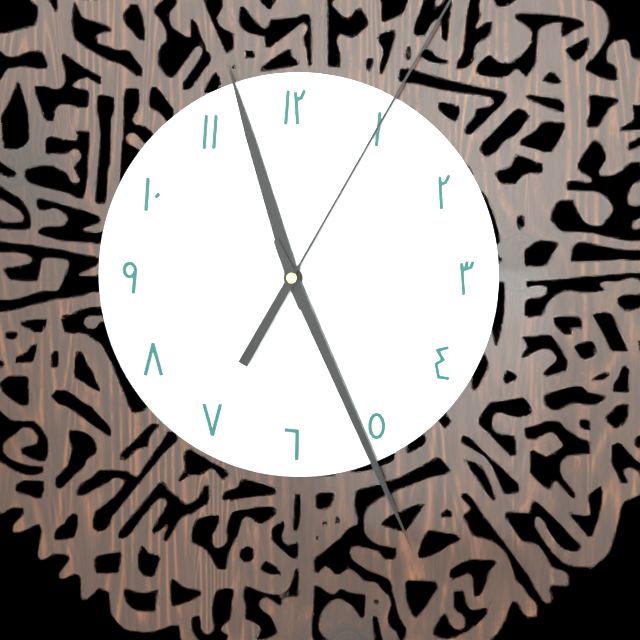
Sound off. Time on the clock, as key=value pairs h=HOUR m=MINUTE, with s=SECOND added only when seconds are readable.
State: h=11 m=26
